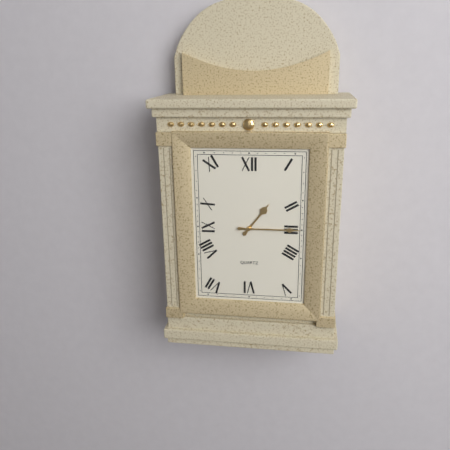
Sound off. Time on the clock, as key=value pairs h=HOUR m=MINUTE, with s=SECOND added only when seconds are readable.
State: h=1 m=15
